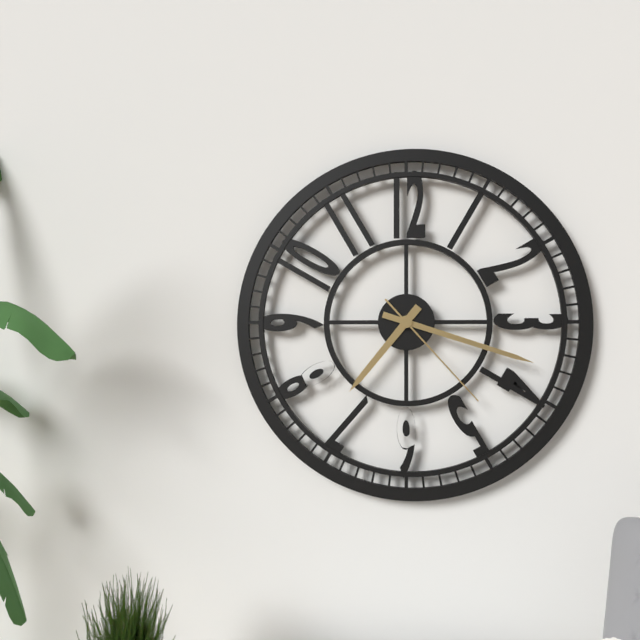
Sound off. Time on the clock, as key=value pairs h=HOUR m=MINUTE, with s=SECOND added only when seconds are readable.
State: h=7 m=18 s=23
